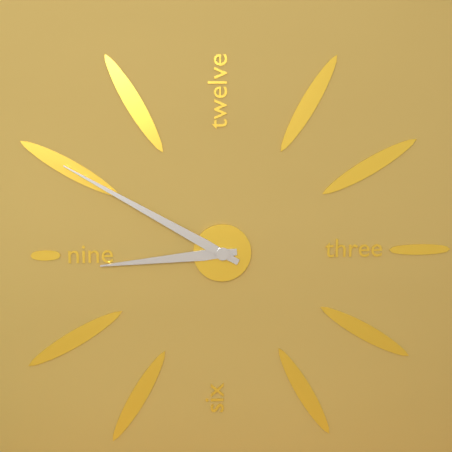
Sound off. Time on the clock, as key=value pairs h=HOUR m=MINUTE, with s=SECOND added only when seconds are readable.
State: h=8 m=50
